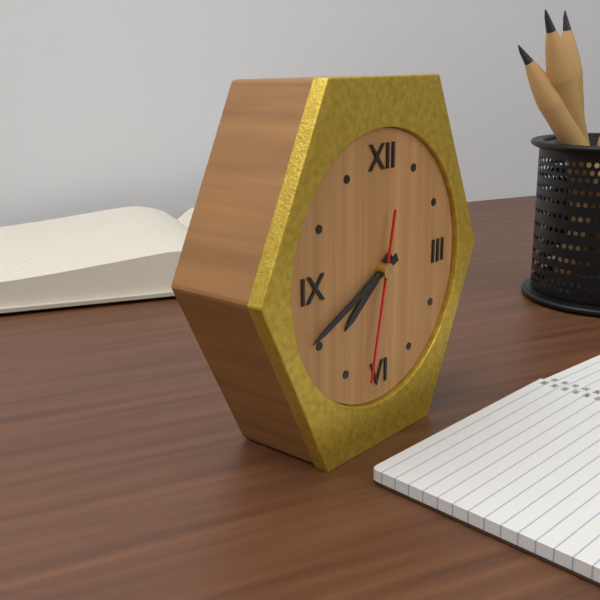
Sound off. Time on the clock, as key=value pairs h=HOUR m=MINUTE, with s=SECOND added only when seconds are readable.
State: h=7 m=41 s=32
